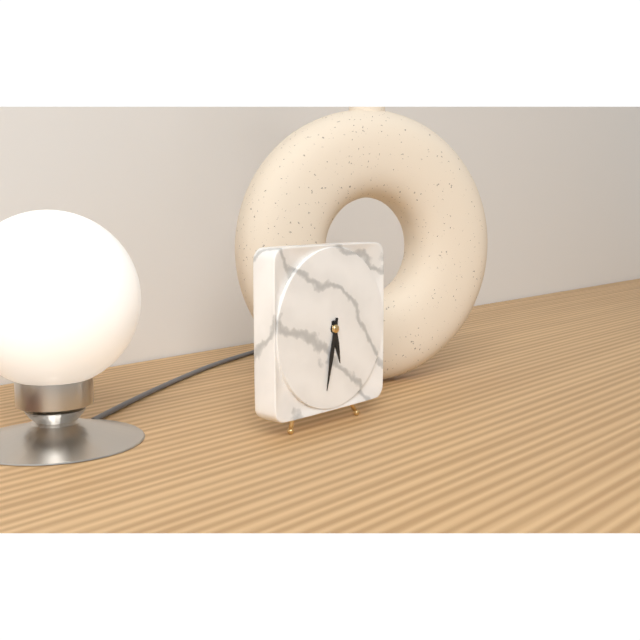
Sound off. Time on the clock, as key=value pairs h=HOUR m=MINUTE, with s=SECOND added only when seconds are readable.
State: h=5 m=32
